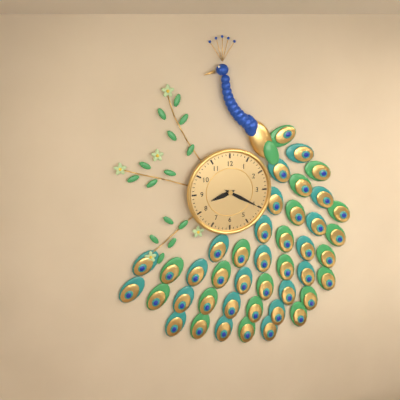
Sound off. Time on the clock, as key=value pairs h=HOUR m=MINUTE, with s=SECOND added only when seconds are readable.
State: h=8 m=20
